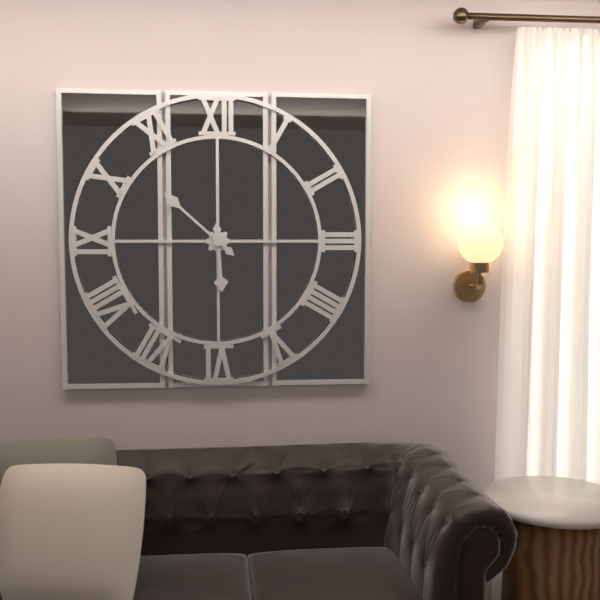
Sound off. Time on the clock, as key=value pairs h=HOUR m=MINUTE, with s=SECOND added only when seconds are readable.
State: h=5 m=52
